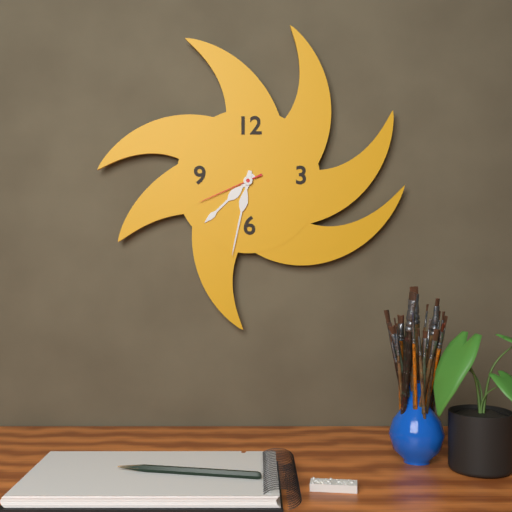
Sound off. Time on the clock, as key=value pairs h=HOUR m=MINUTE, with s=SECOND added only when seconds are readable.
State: h=7 m=32 s=41
